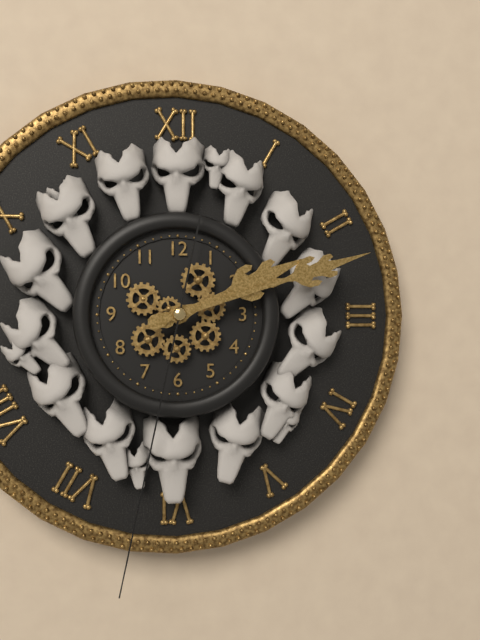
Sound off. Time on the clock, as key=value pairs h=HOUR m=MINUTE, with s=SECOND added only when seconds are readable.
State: h=2 m=12 s=32
